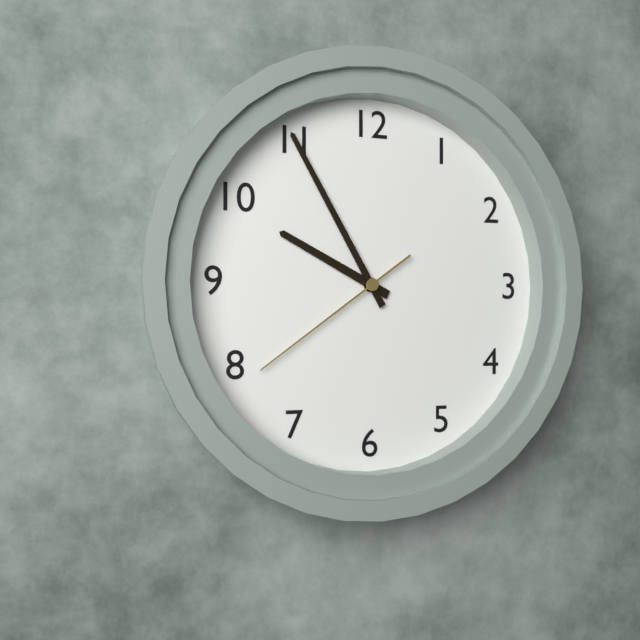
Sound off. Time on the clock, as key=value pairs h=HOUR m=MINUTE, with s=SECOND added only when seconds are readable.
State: h=9 m=55 s=39
